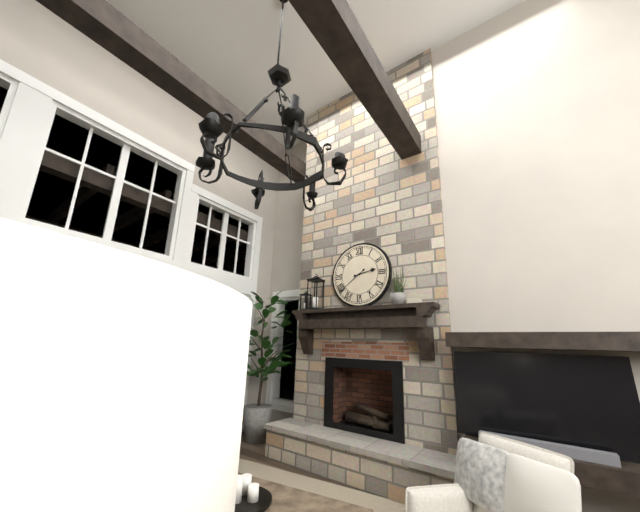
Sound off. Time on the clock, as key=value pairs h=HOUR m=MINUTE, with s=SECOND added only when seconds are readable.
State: h=2 m=39
